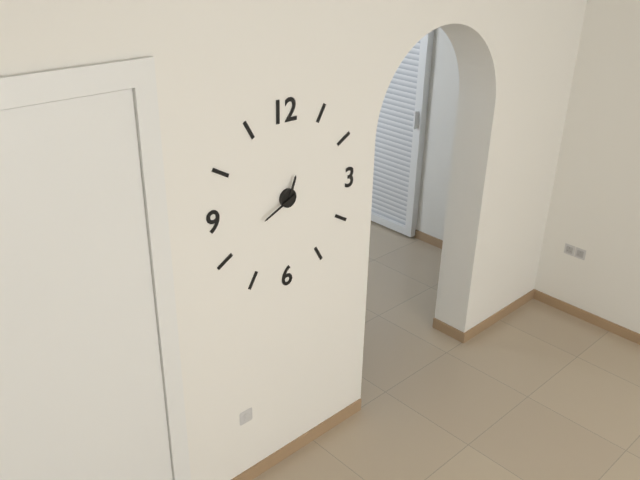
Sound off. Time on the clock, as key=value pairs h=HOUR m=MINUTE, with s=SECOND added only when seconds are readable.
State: h=12 m=41
